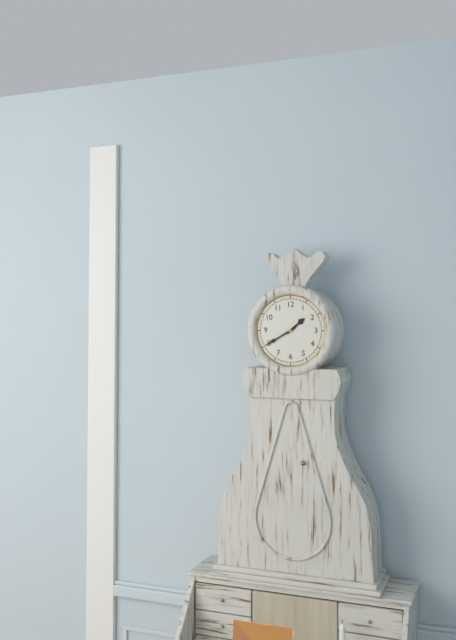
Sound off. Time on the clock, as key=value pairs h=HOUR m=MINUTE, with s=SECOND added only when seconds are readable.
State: h=1 m=40
